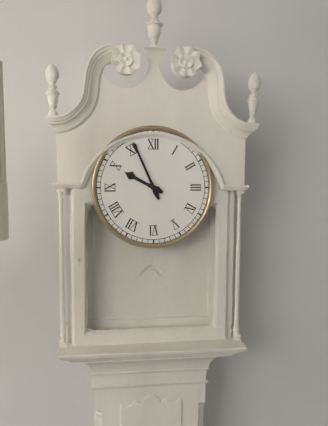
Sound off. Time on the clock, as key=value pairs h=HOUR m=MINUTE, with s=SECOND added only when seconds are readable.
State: h=9 m=56
